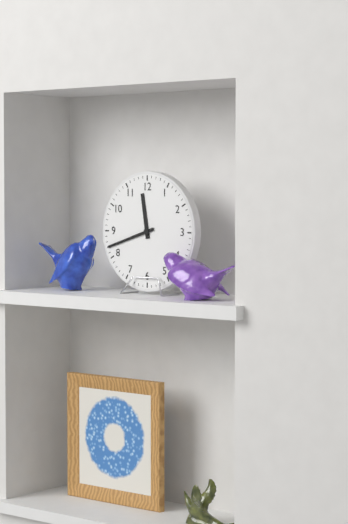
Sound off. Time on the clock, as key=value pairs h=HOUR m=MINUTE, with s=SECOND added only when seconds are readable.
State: h=11 m=42
